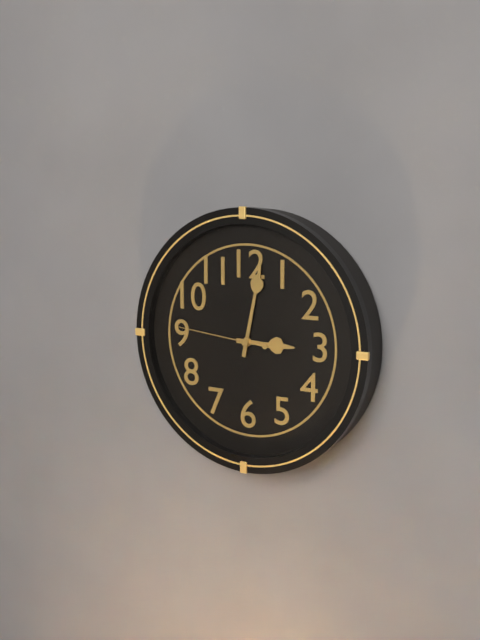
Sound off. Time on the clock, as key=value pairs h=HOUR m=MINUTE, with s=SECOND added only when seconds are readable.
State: h=3 m=2 s=46
